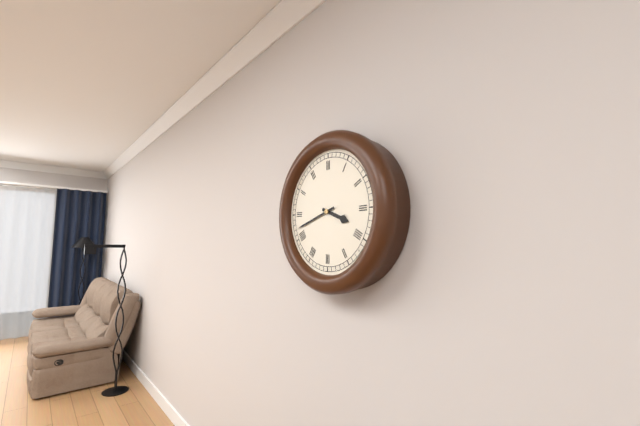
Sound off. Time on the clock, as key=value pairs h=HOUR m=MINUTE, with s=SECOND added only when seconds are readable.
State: h=3 m=42
